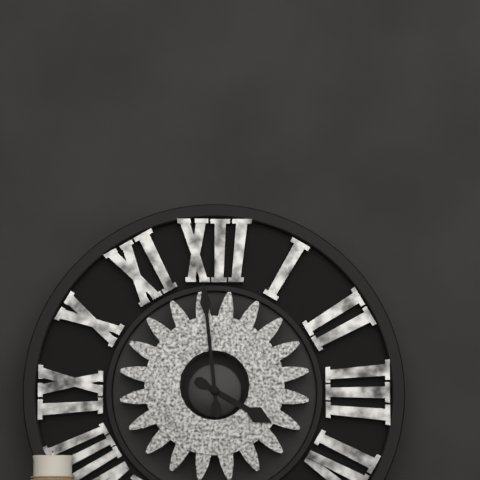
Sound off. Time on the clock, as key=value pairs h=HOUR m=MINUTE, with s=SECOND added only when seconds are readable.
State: h=3 m=59
